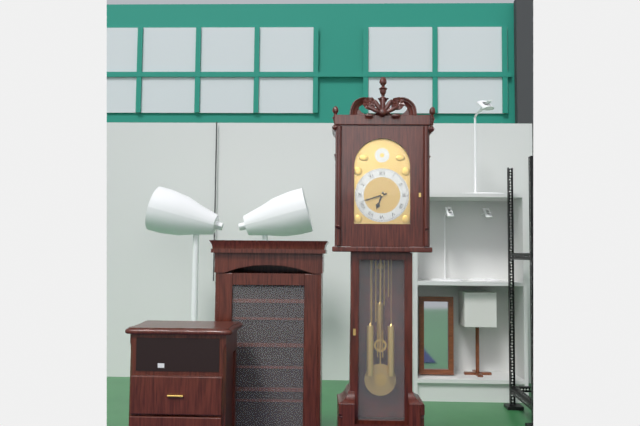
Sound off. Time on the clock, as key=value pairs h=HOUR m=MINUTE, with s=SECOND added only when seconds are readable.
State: h=6 m=42
